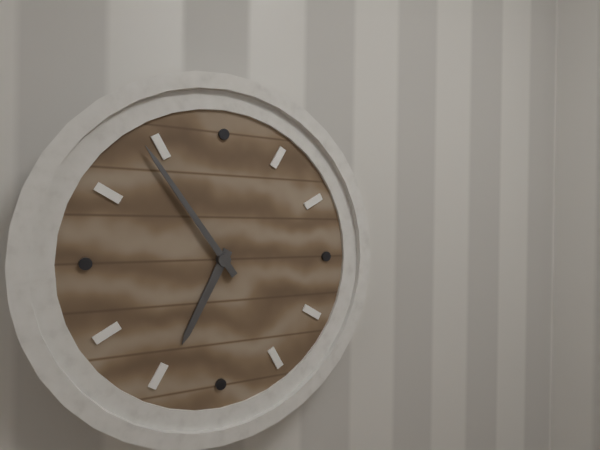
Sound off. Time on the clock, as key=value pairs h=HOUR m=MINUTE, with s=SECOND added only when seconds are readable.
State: h=6 m=54
